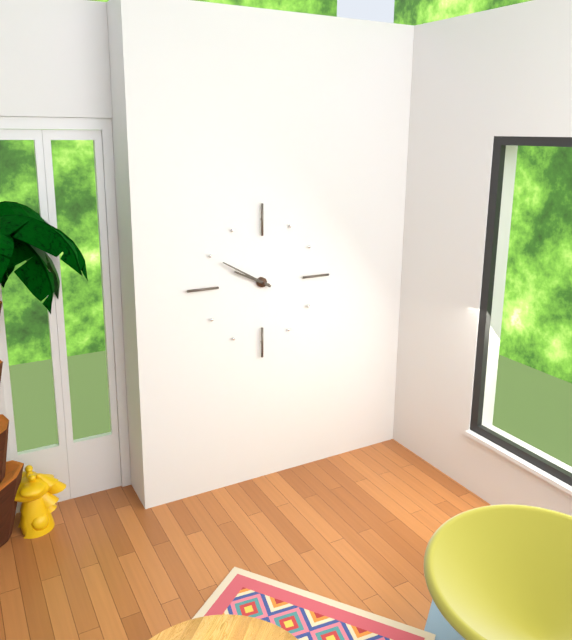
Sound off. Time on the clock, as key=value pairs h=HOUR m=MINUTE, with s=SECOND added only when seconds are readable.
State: h=9 m=50
